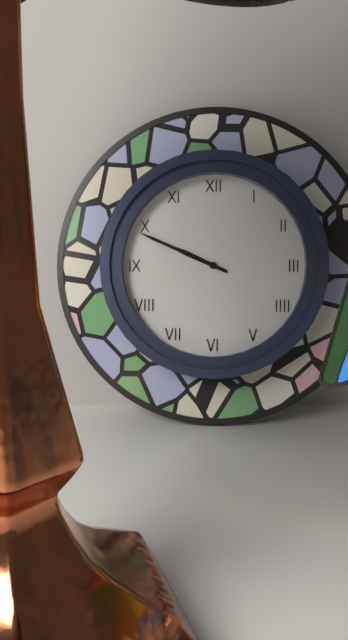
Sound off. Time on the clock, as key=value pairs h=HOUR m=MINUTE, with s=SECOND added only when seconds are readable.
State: h=9 m=49
